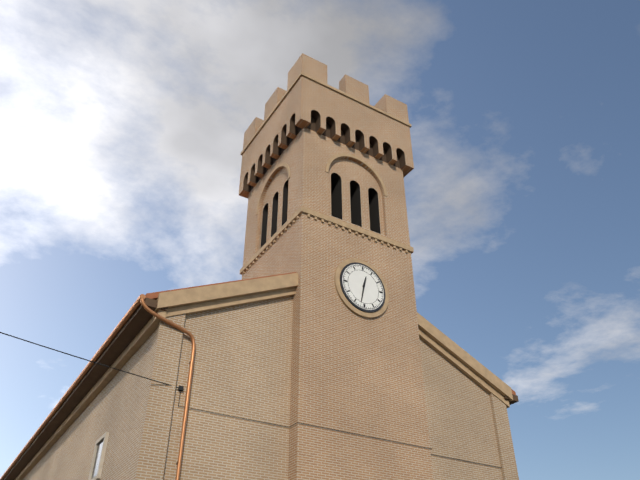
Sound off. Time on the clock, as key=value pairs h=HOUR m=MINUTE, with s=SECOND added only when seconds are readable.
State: h=12 m=32
